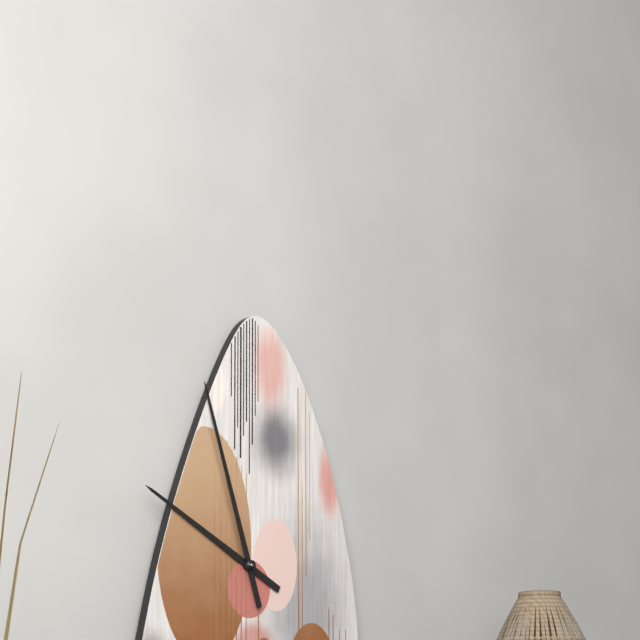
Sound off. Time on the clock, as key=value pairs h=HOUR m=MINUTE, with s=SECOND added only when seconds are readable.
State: h=9 m=57
